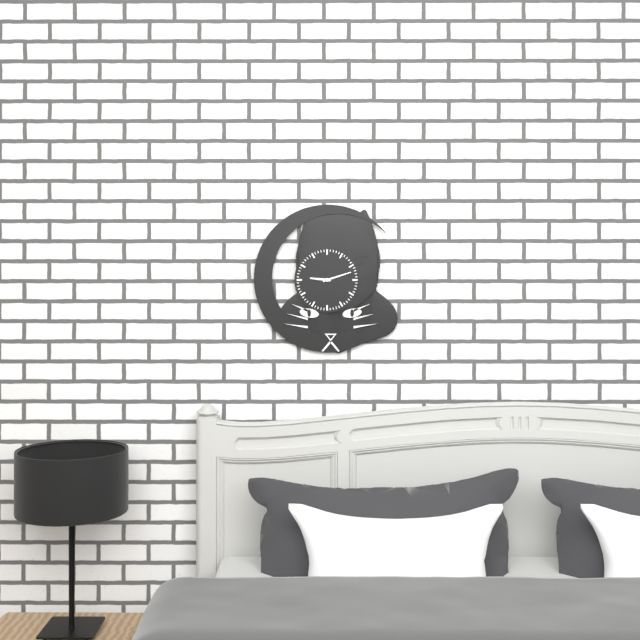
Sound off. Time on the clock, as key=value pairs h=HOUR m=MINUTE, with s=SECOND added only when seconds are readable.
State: h=9 m=12
